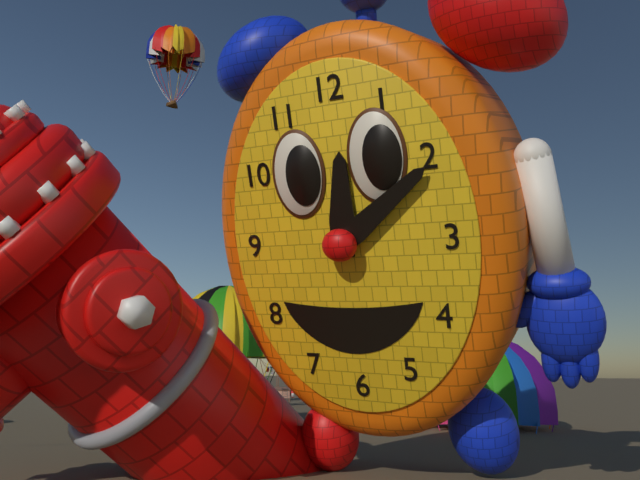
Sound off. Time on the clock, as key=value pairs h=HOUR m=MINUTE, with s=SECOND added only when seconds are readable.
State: h=12 m=9
